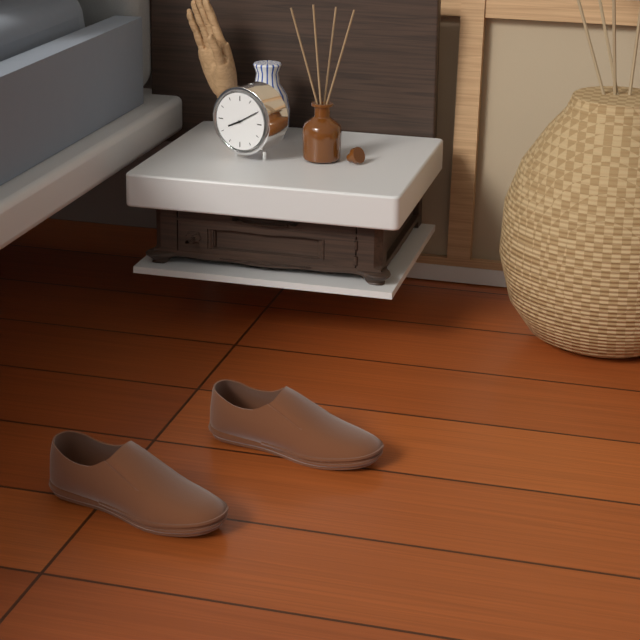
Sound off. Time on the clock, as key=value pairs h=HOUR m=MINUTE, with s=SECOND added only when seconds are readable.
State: h=8 m=10
